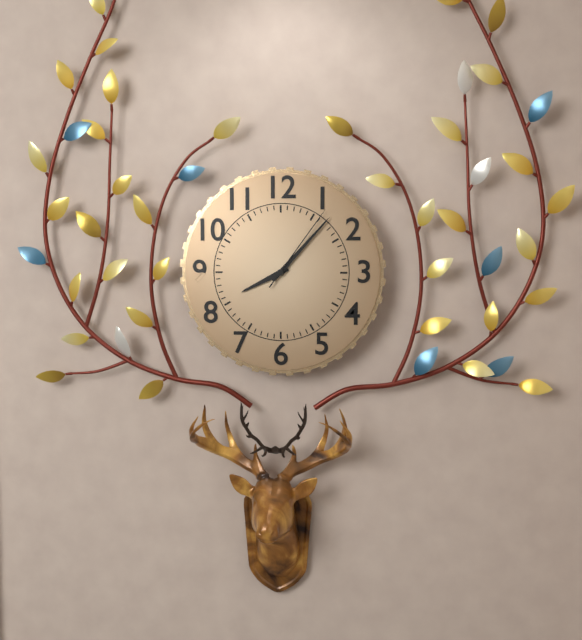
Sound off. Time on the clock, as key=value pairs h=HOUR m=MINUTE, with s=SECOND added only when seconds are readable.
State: h=8 m=7 s=6
